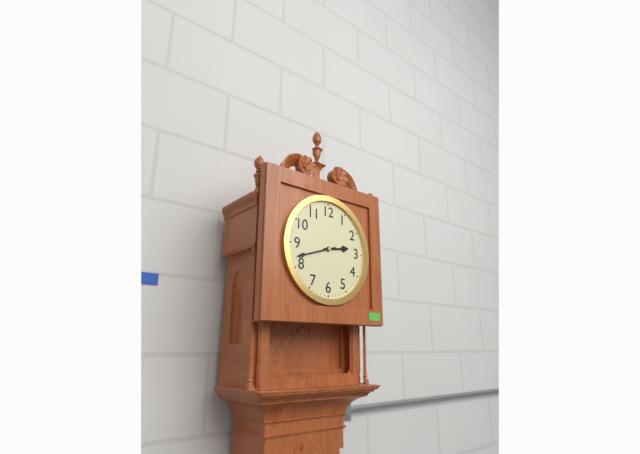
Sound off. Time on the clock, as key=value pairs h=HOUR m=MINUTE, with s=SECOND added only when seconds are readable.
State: h=2 m=42
